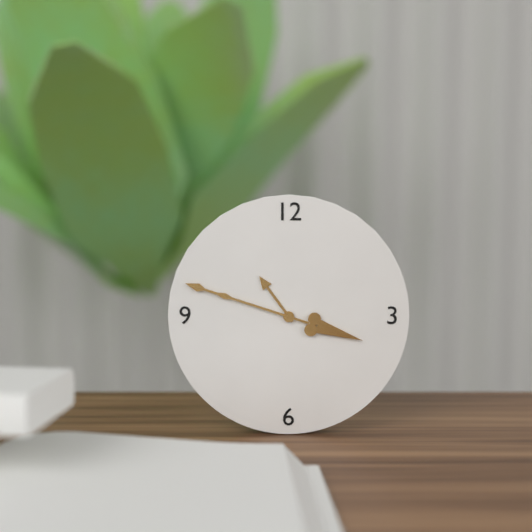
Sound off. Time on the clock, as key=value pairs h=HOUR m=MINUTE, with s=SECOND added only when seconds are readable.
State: h=10 m=48
